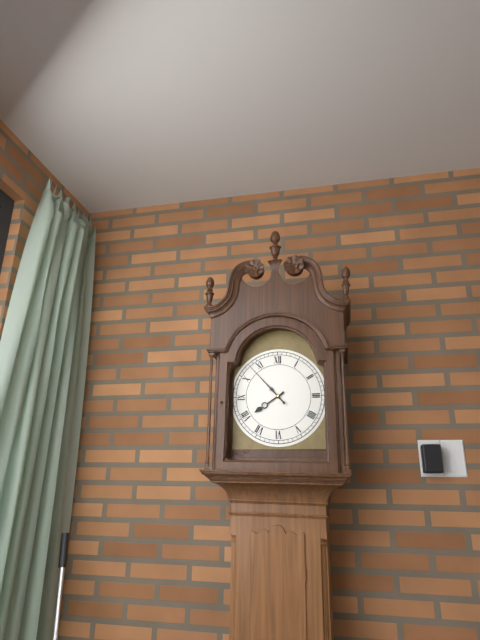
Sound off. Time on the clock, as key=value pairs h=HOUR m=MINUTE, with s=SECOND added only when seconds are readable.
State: h=7 m=53
